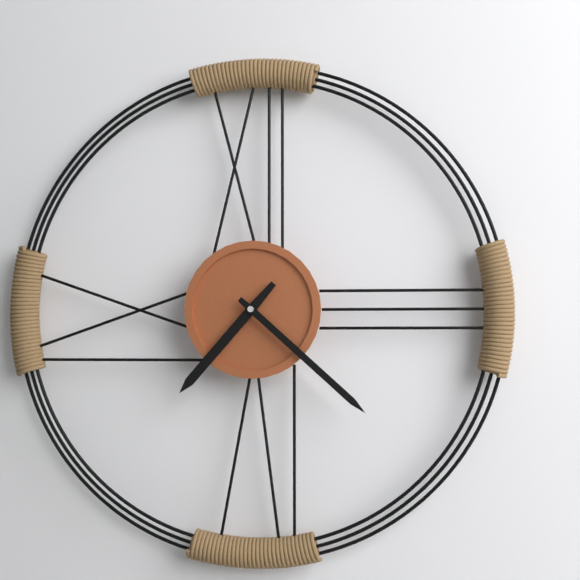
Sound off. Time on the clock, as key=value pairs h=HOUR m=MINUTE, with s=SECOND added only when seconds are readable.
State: h=7 m=22
